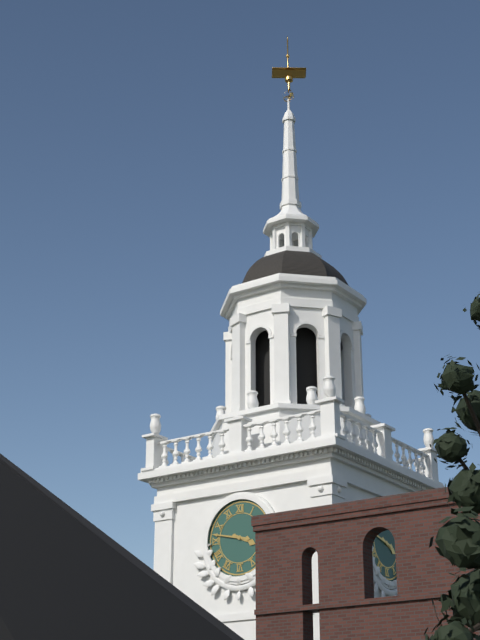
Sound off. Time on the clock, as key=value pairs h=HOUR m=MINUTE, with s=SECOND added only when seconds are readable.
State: h=3 m=47
